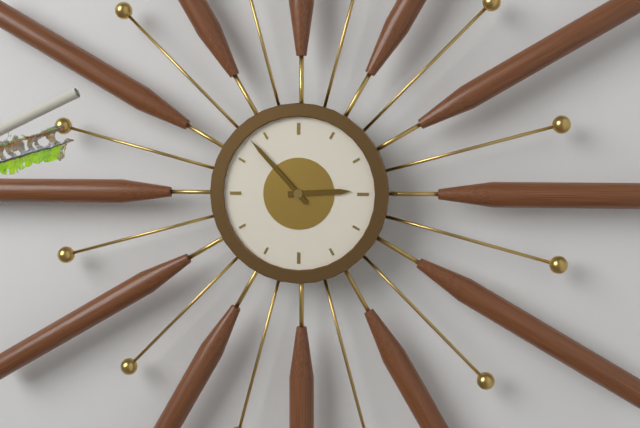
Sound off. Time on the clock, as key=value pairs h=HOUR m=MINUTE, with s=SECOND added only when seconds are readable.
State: h=2 m=53
